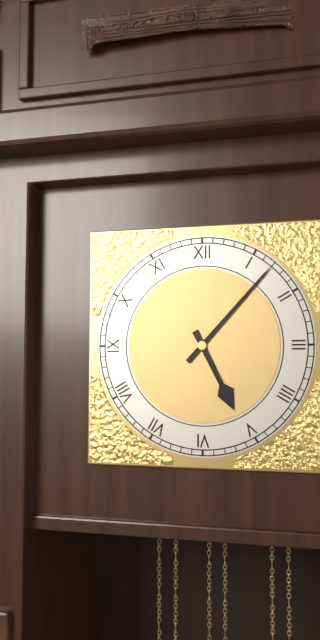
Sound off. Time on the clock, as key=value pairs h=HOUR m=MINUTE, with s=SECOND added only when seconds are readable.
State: h=5 m=7
